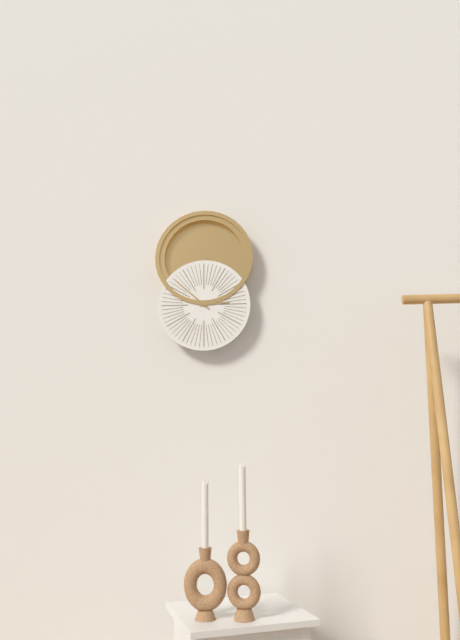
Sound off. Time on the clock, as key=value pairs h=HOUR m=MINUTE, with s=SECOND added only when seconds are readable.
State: h=2 m=52
